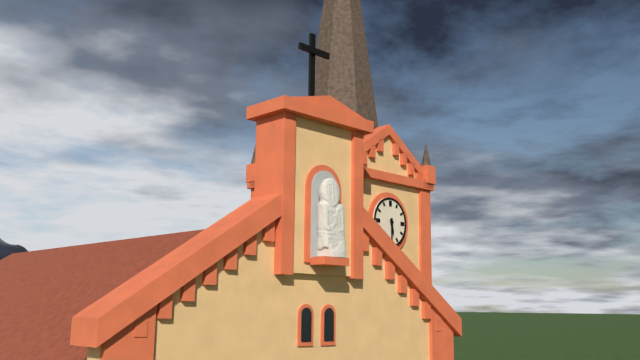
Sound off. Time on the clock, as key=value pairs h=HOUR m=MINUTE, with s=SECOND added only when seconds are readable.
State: h=5 m=30
